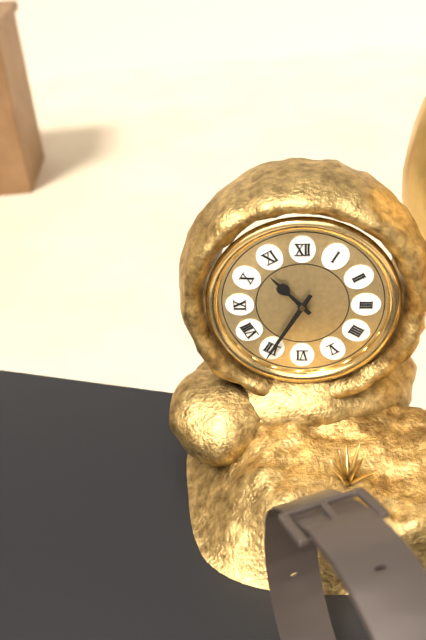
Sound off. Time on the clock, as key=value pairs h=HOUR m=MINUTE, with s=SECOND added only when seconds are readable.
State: h=10 m=35
